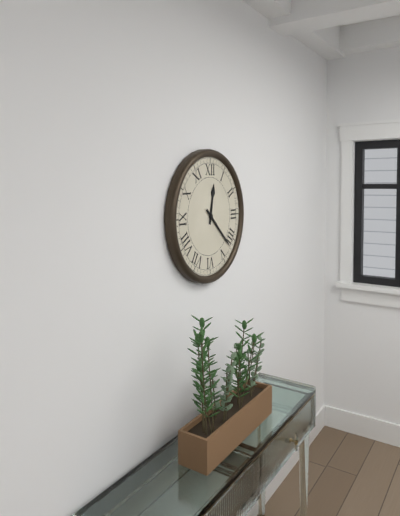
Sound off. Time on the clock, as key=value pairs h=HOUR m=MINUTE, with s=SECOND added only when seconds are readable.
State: h=12 m=22
